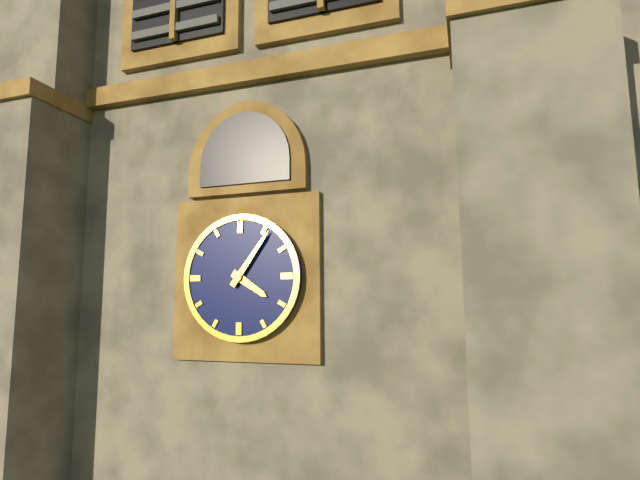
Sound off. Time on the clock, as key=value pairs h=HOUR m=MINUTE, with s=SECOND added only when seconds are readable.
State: h=4 m=6
